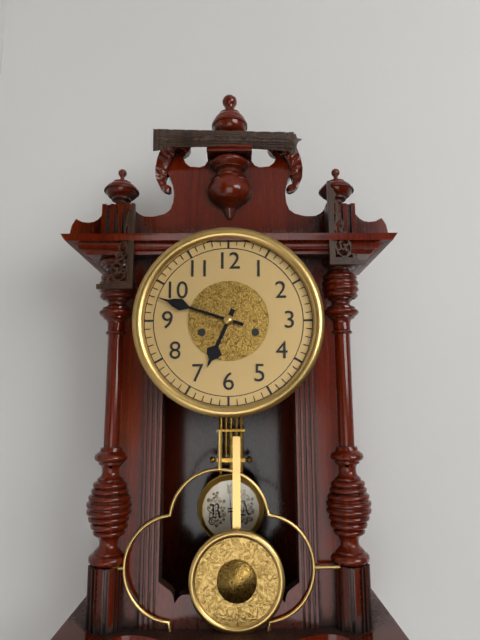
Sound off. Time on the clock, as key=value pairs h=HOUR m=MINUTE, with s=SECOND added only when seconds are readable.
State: h=6 m=48
